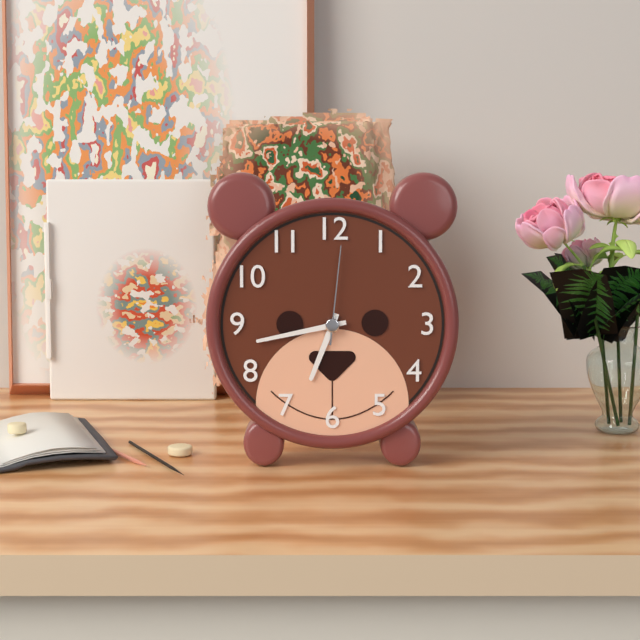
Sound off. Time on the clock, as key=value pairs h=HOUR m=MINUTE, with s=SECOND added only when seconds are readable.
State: h=6 m=43 s=1
